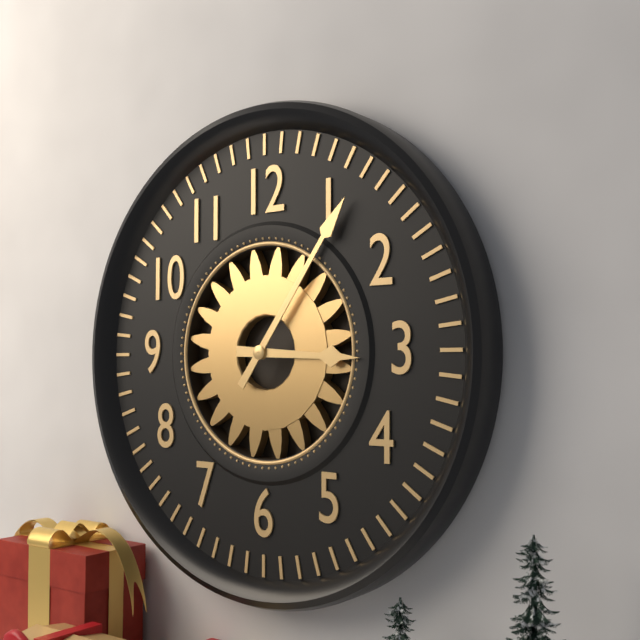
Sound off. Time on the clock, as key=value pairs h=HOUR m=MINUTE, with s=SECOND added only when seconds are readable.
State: h=3 m=6
